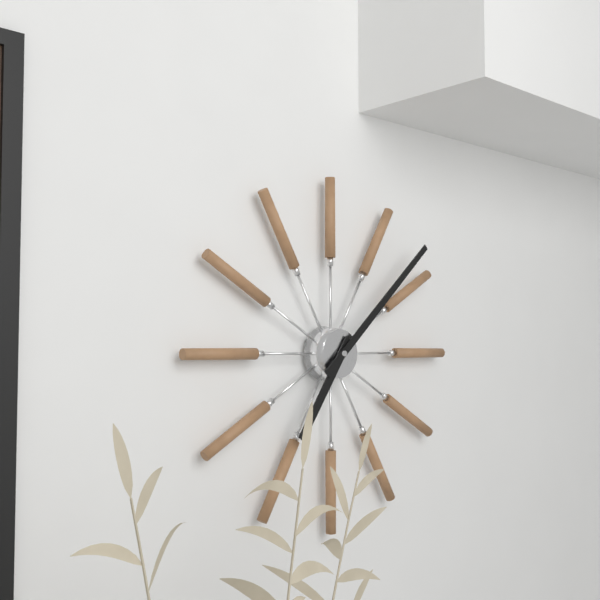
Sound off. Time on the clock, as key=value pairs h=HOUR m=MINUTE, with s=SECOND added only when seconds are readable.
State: h=7 m=8
